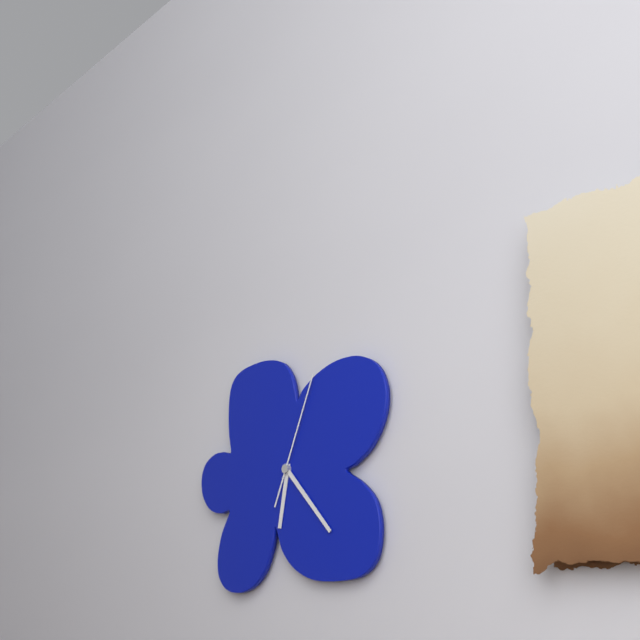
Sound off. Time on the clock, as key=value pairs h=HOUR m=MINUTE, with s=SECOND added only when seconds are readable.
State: h=6 m=23 s=4
